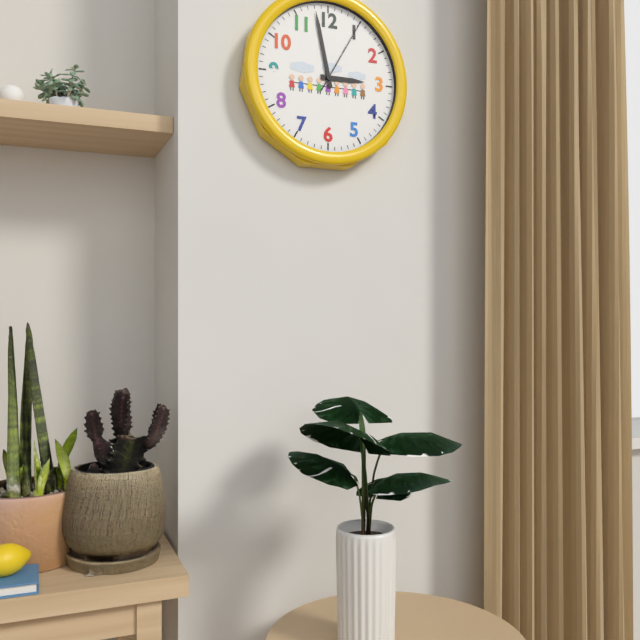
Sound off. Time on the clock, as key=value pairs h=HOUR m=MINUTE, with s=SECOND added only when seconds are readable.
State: h=2 m=58 s=5
